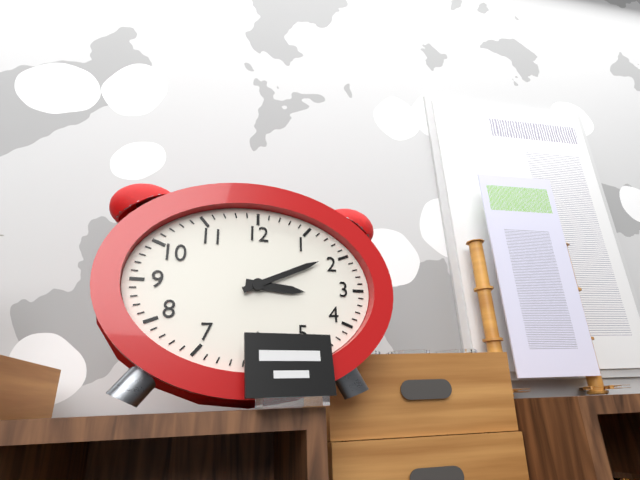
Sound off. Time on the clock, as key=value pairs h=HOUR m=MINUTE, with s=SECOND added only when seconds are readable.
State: h=3 m=11
